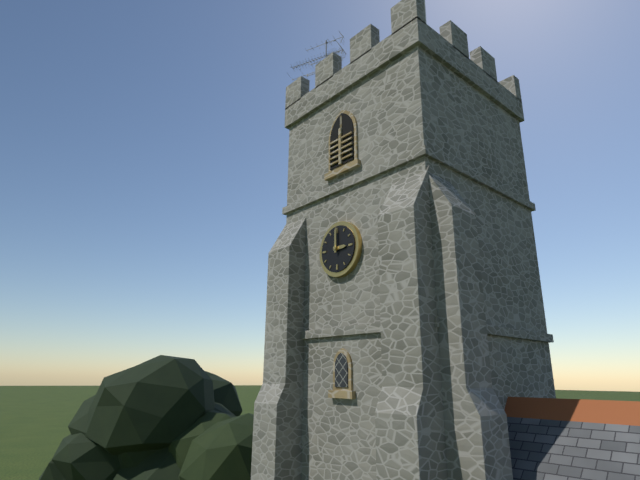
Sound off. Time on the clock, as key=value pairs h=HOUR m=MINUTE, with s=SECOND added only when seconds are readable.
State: h=3 m=0
